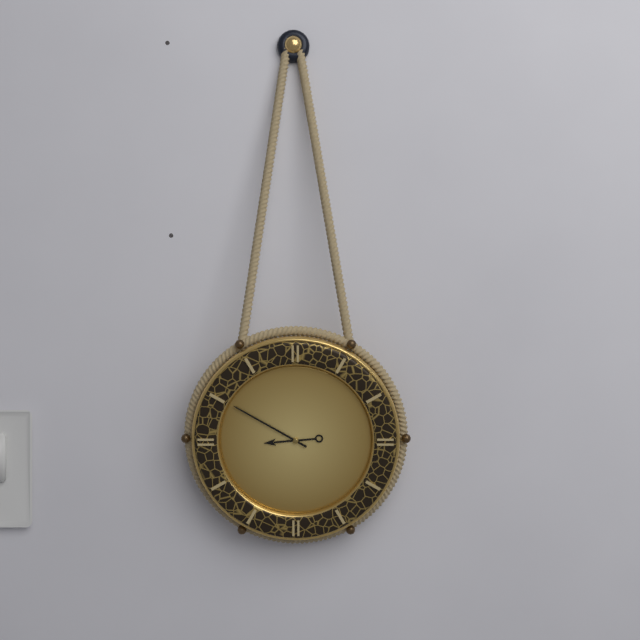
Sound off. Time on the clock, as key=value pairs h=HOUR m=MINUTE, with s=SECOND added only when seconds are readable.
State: h=8 m=50
